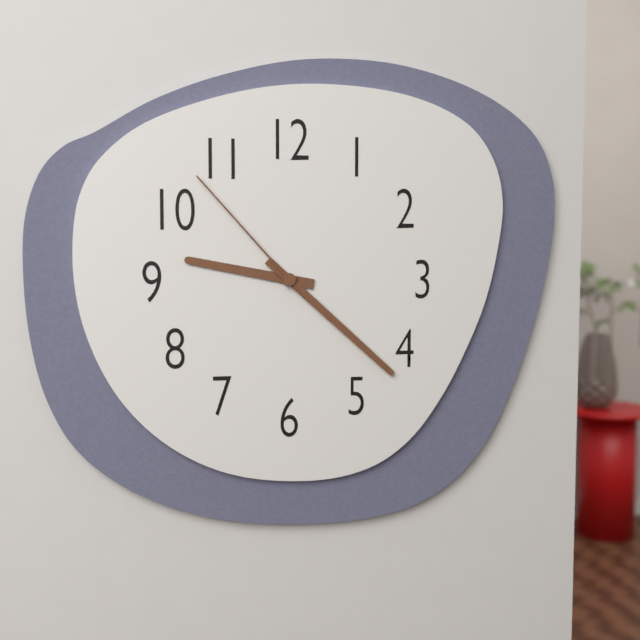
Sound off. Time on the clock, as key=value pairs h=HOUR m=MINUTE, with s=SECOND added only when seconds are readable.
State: h=9 m=22 s=53
